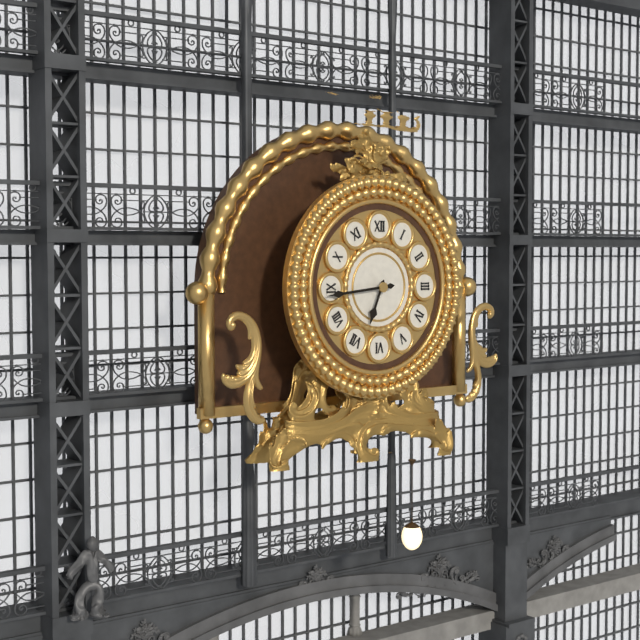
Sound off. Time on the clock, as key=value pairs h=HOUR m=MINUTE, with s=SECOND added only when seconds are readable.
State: h=6 m=44
